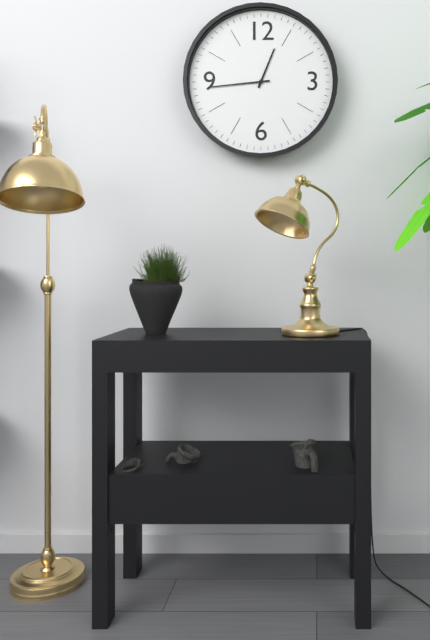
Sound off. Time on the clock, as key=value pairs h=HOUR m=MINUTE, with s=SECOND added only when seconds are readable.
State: h=12 m=44
